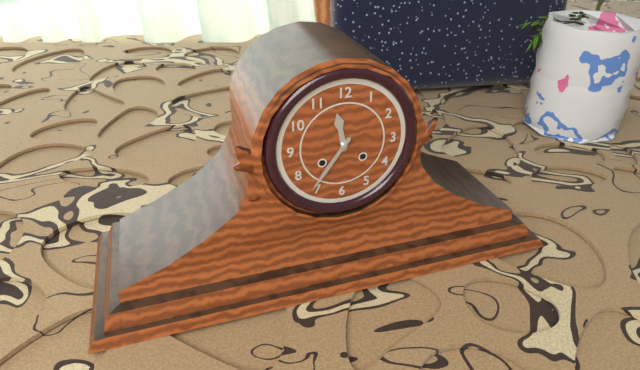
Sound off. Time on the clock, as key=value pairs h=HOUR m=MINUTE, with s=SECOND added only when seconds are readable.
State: h=11 m=36
